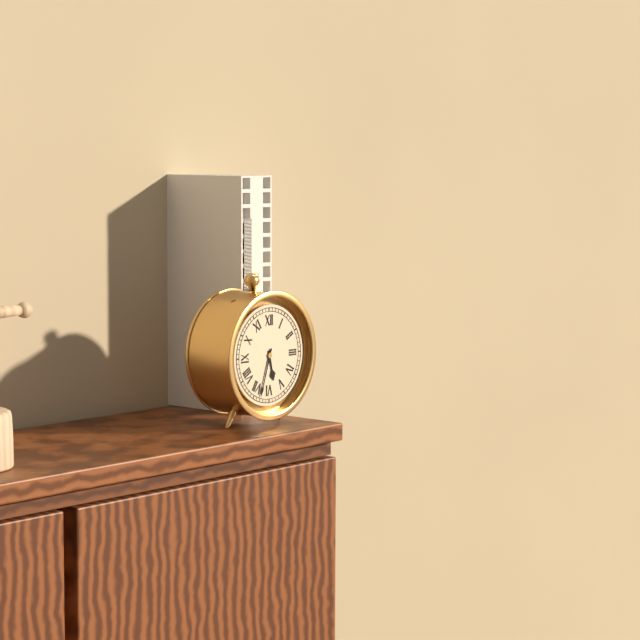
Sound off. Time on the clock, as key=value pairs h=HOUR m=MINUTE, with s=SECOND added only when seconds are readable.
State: h=5 m=33
